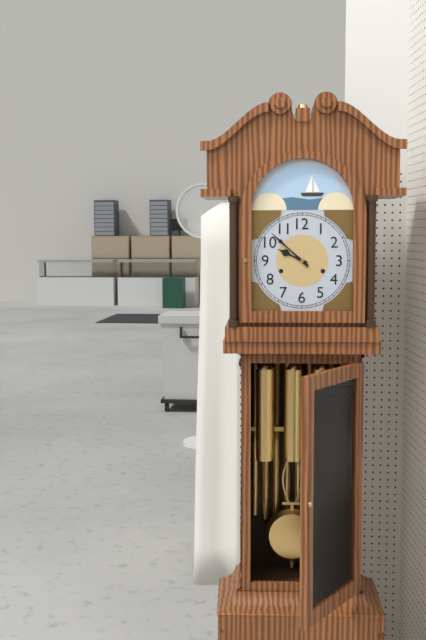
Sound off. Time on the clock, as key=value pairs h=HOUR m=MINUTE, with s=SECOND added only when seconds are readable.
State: h=9 m=52
